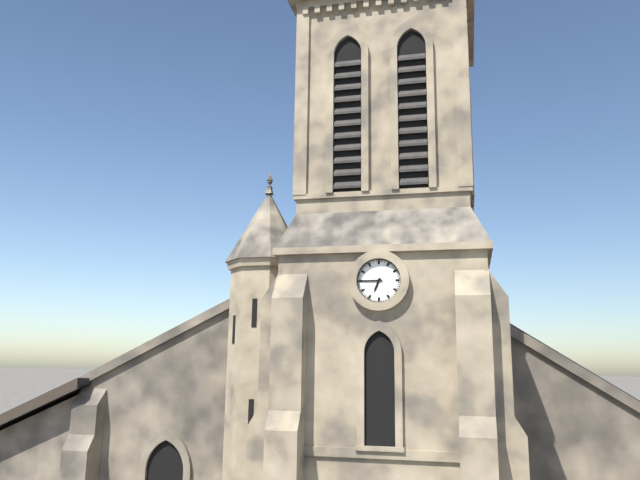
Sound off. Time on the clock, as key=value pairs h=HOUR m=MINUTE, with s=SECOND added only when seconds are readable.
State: h=6 m=45
